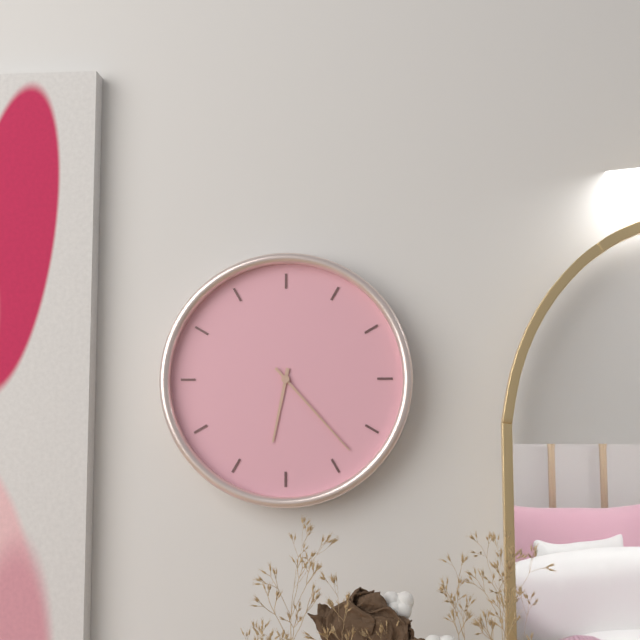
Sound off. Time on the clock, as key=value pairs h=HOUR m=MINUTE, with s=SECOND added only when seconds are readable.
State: h=6 m=23
